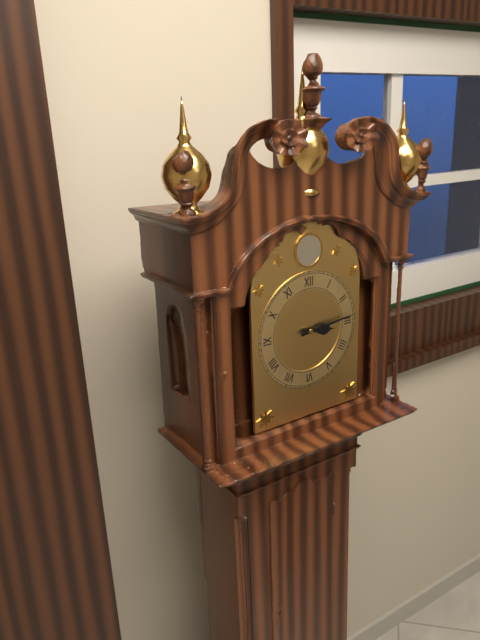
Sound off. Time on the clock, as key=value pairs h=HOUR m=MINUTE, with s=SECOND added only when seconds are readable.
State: h=3 m=14
